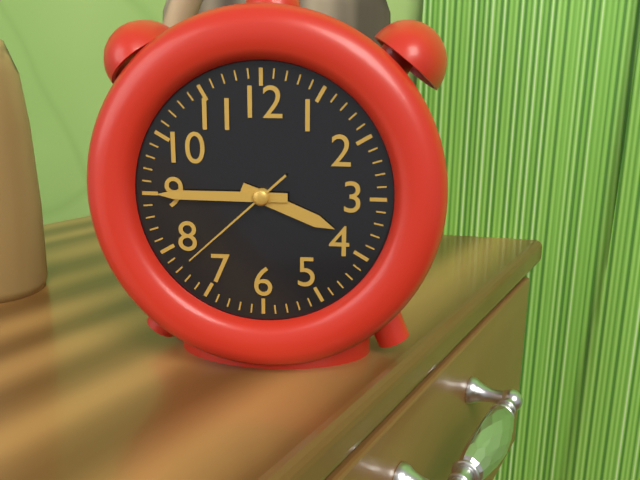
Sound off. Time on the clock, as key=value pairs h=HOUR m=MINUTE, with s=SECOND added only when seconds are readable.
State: h=3 m=45 s=38
